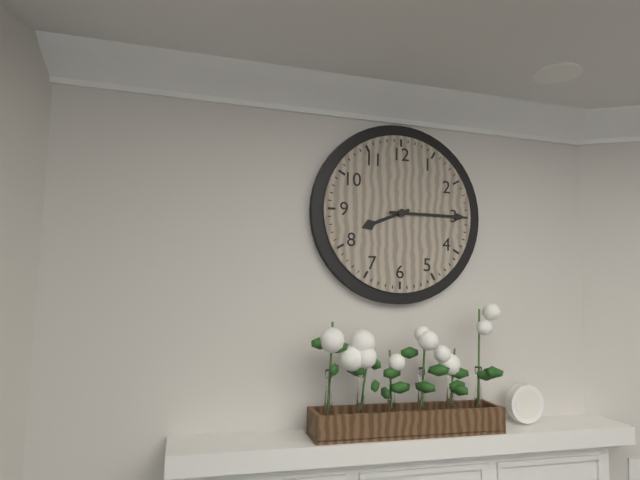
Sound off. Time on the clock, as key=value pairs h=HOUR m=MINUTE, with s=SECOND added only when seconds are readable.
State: h=8 m=15
